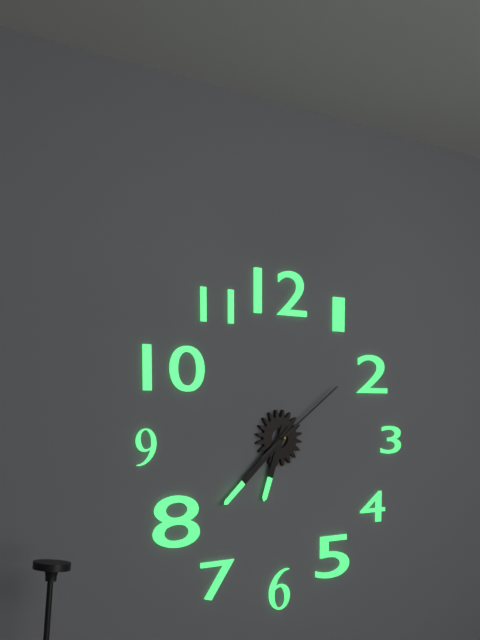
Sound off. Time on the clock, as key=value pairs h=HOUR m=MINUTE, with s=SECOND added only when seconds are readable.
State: h=6 m=38 s=9
